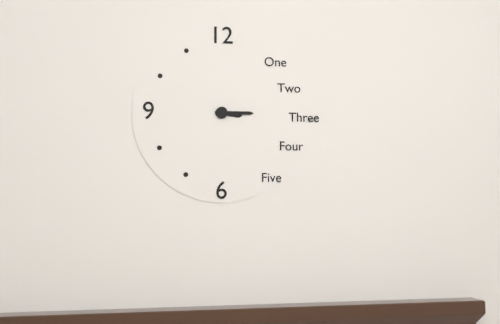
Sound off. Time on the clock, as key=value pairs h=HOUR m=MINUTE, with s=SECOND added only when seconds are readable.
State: h=3 m=15
